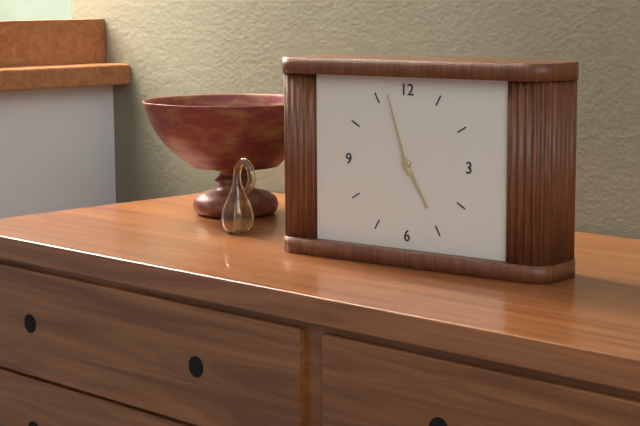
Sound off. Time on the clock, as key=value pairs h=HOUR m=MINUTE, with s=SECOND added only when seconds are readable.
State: h=4 m=57
